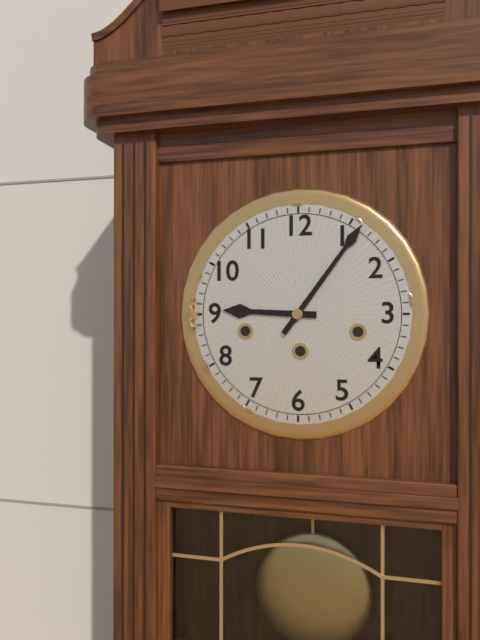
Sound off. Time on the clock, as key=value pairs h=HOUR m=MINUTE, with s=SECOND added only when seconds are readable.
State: h=9 m=6
